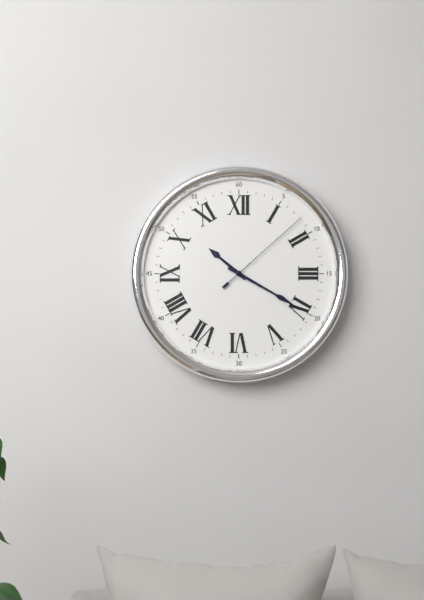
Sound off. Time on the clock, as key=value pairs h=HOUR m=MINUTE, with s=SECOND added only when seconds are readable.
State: h=10 m=20 s=8
